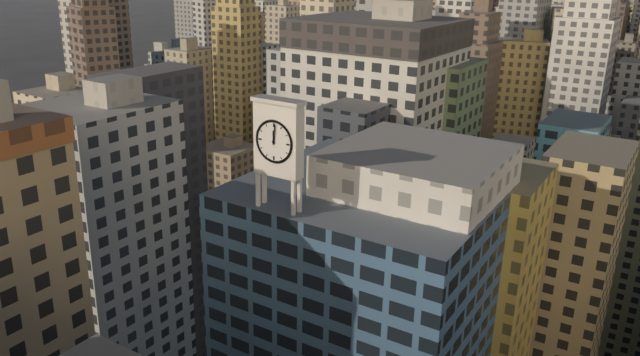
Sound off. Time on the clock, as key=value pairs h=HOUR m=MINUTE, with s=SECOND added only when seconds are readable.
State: h=12 m=1
